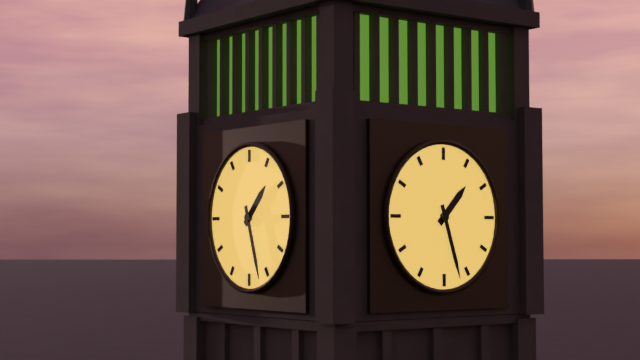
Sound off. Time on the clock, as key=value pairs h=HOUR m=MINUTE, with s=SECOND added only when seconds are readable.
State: h=1 m=27
